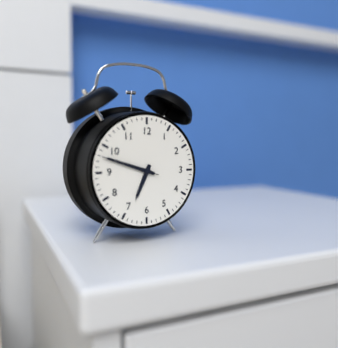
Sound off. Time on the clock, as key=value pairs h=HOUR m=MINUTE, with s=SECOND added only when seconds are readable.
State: h=6 m=48
